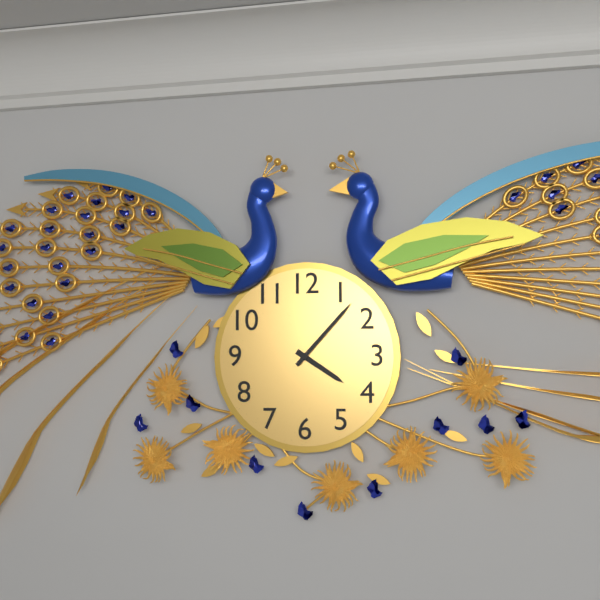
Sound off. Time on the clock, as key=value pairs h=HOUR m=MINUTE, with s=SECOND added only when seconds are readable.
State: h=4 m=7
